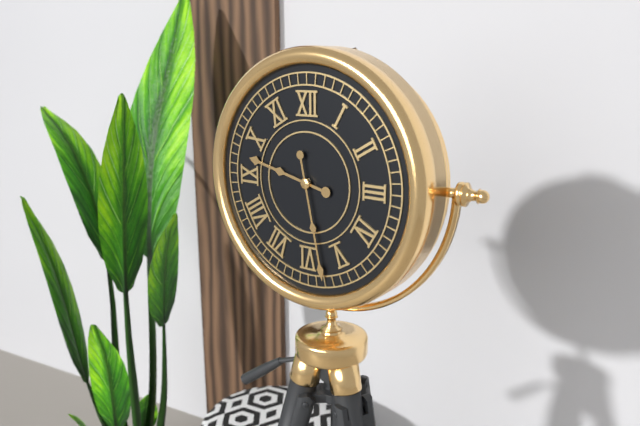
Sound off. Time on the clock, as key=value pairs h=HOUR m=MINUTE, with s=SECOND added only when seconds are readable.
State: h=9 m=28
